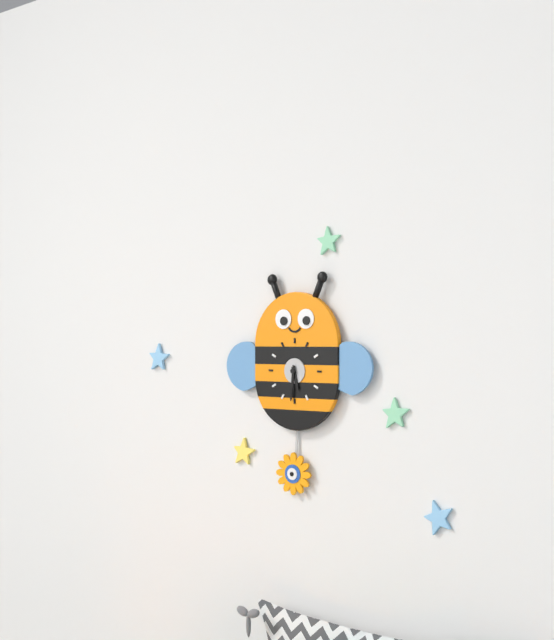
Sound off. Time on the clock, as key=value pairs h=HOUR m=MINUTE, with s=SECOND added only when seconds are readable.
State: h=5 m=31
